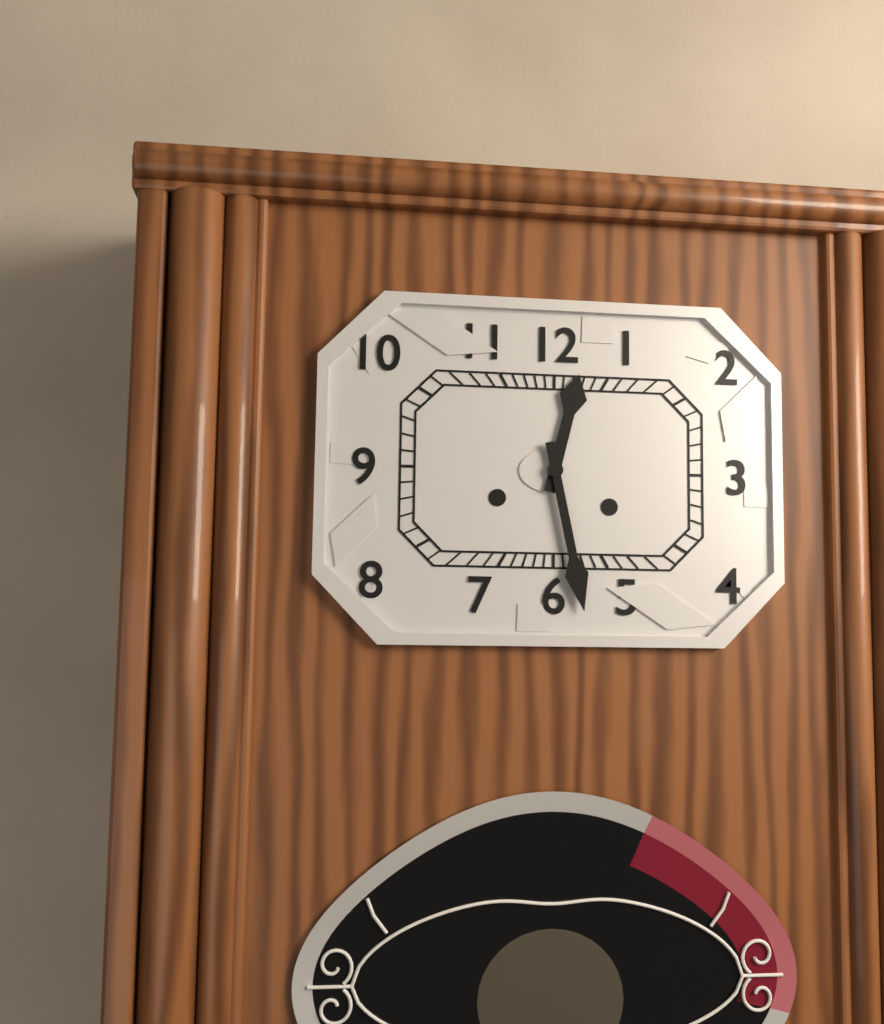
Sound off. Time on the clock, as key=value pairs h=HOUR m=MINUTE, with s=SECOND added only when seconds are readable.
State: h=12 m=28
